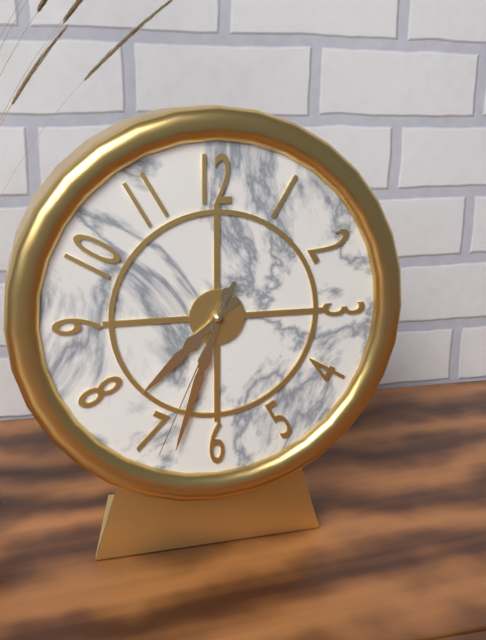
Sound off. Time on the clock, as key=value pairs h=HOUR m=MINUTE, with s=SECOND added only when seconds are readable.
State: h=7 m=33 s=34
